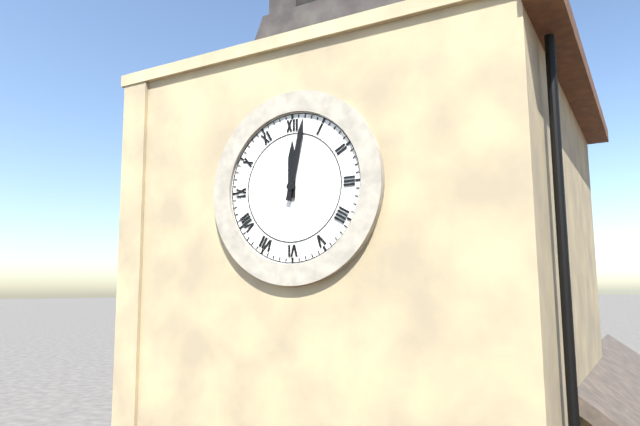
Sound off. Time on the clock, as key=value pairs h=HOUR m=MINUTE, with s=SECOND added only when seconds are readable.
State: h=12 m=2
